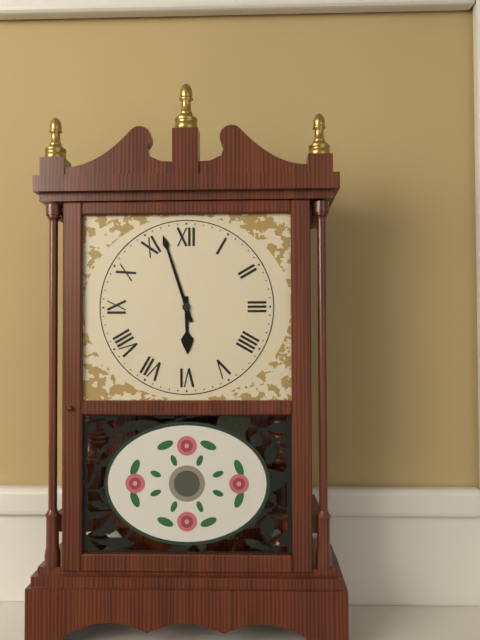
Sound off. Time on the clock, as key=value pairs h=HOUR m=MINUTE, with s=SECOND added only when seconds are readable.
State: h=5 m=57
